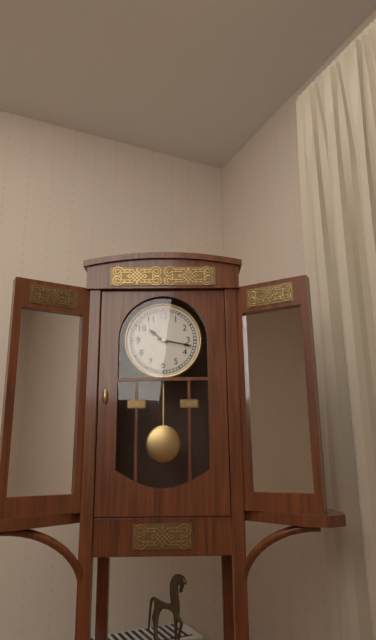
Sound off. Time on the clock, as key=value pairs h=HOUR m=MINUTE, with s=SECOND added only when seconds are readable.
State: h=10 m=17
